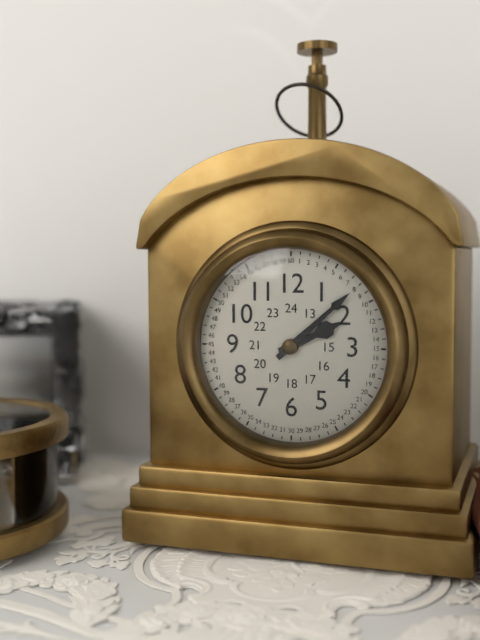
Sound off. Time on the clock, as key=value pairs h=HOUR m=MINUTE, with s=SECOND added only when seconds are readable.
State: h=2 m=8
